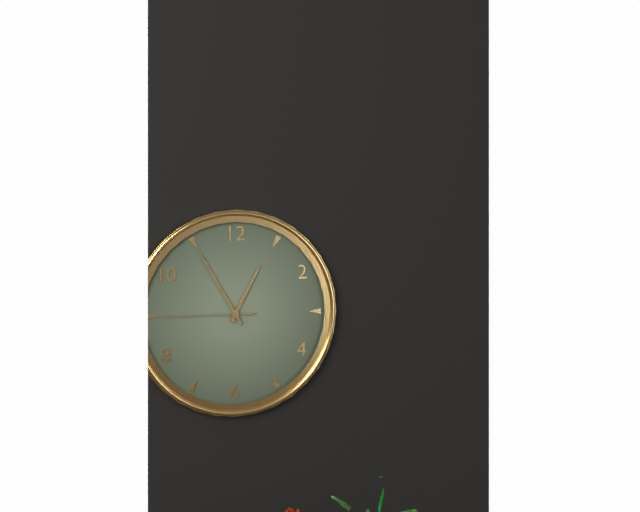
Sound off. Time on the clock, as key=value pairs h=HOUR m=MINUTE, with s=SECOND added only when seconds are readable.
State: h=12 m=55 s=45
